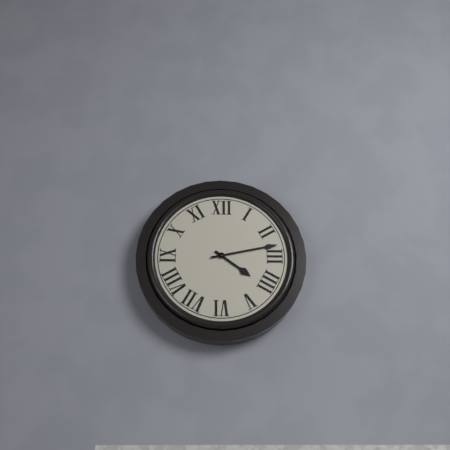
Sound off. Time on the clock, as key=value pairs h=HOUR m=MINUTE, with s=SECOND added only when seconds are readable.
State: h=4 m=13
